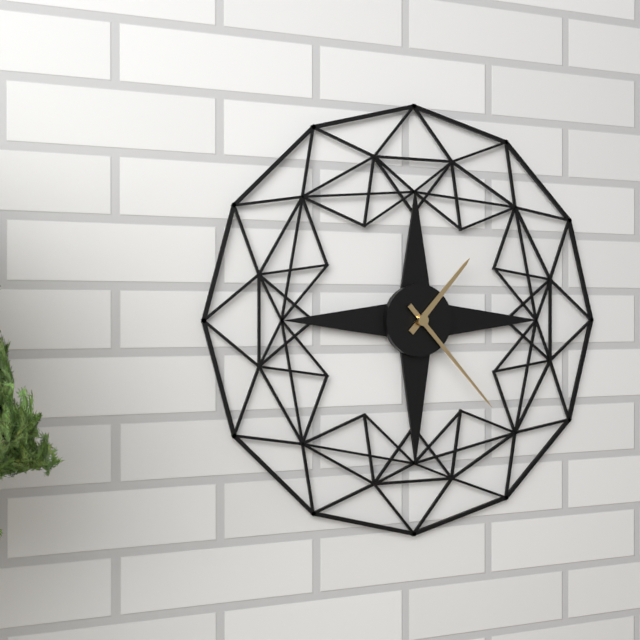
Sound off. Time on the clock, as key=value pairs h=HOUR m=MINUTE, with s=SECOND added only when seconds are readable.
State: h=1 m=23
